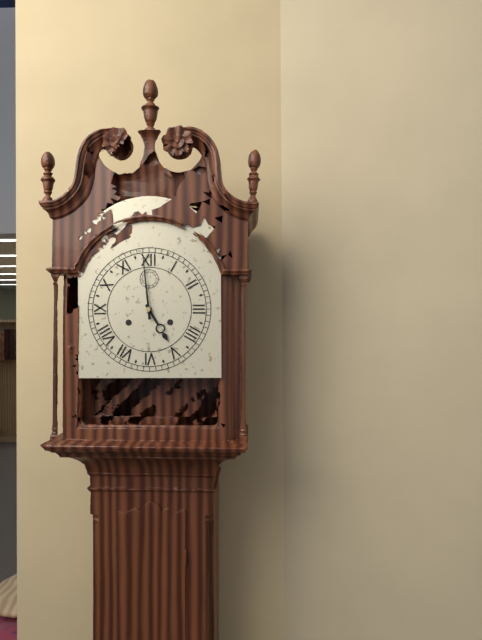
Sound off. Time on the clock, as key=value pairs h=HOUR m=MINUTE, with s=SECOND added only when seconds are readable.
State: h=4 m=59
